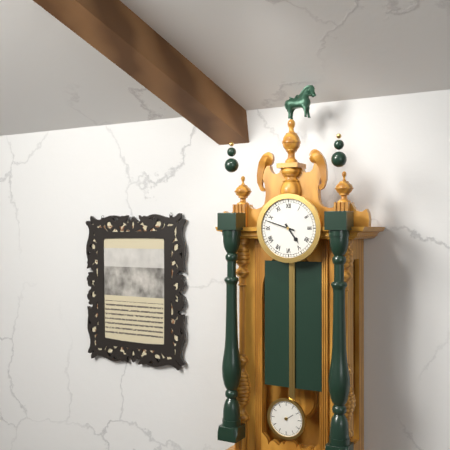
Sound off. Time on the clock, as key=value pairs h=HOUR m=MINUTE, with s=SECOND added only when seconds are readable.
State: h=4 m=48
